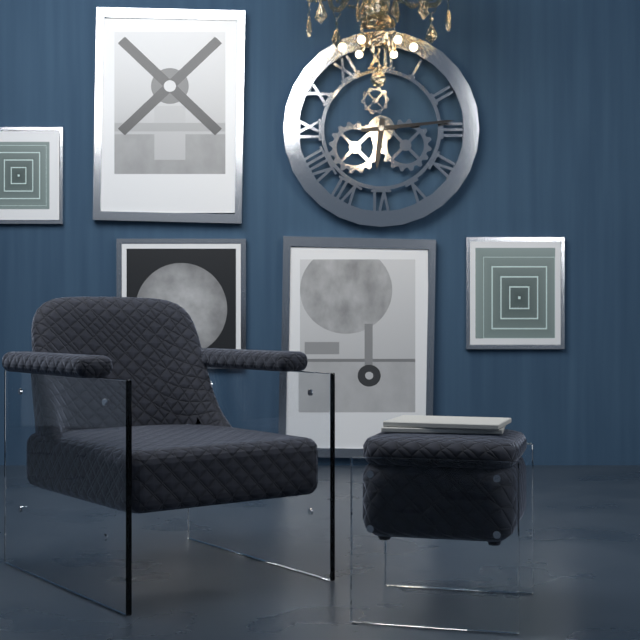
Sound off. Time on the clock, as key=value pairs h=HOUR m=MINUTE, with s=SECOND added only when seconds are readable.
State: h=6 m=14
